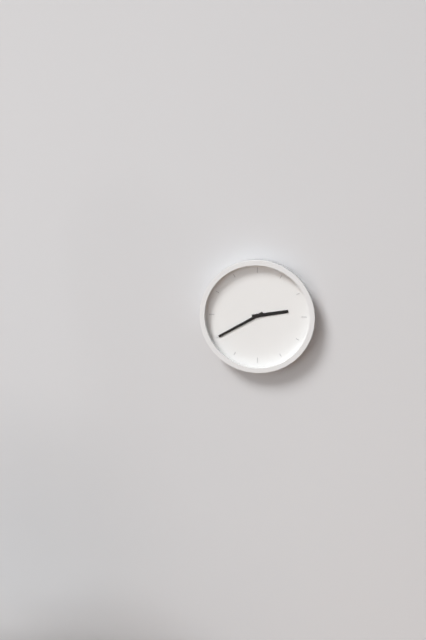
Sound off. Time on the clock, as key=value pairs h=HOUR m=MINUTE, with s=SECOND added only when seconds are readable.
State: h=2 m=40
